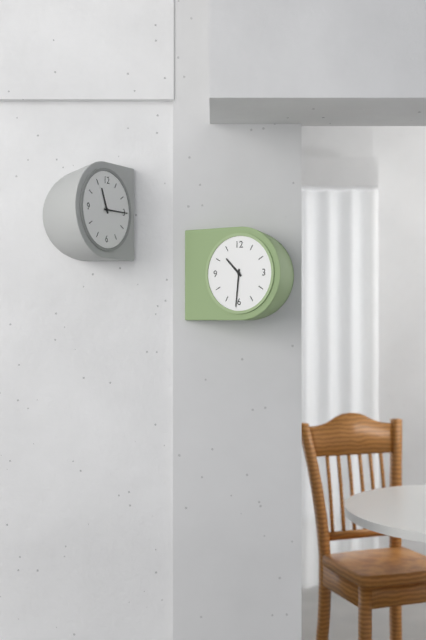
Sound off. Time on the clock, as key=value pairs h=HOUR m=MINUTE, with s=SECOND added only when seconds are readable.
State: h=10 m=31
